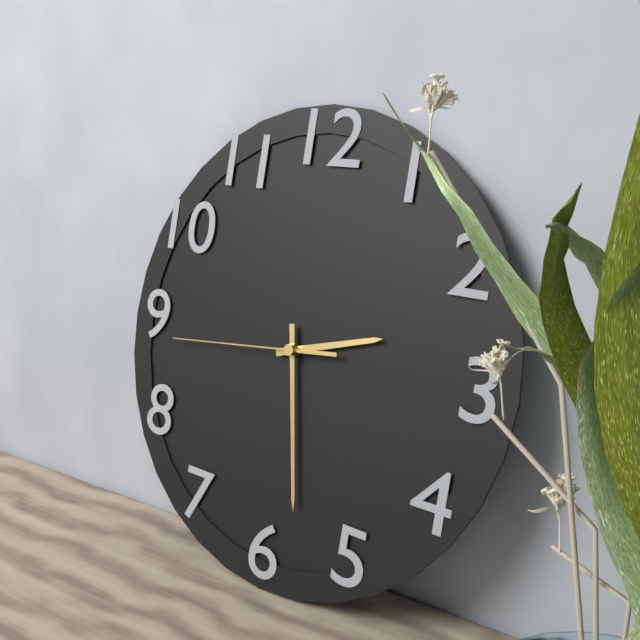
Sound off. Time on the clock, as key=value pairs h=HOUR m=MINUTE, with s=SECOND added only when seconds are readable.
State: h=2 m=28 s=44
